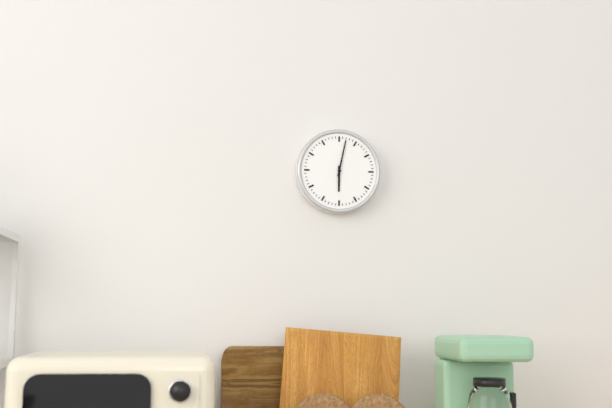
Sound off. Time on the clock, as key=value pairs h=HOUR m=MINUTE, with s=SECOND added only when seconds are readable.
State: h=6 m=2
